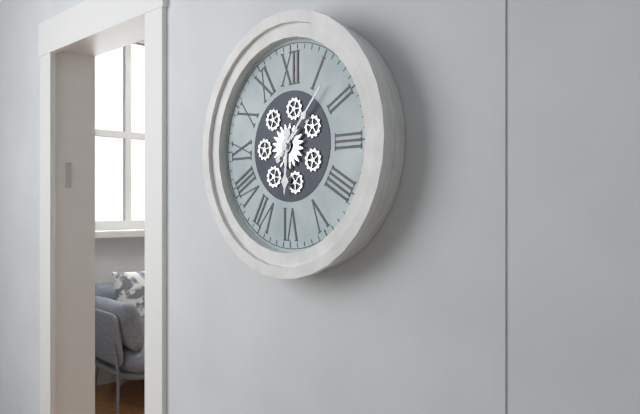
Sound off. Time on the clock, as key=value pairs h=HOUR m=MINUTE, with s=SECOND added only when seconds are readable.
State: h=6 m=7
